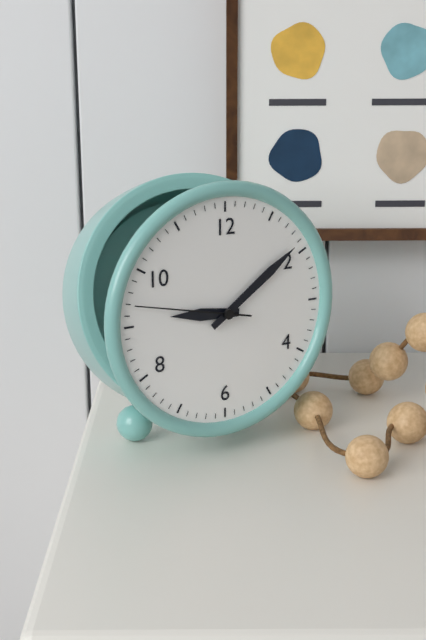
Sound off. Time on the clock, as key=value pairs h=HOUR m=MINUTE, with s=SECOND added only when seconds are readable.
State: h=9 m=9 s=47
